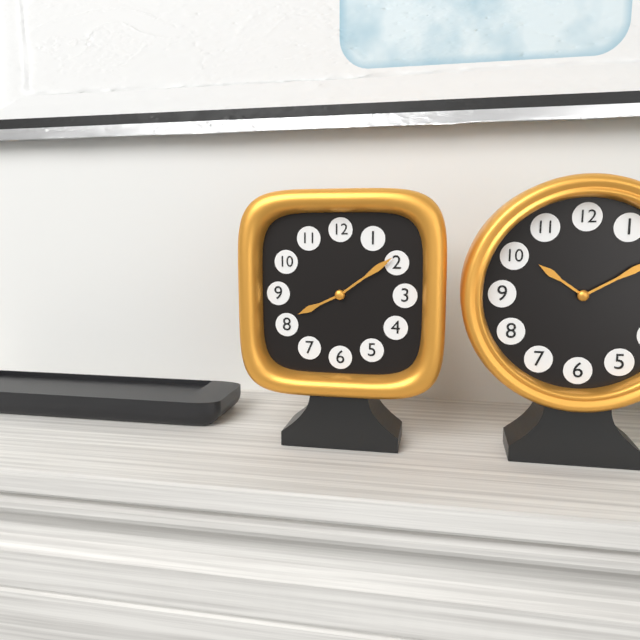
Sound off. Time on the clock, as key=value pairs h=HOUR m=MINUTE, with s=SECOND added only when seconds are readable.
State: h=8 m=9
